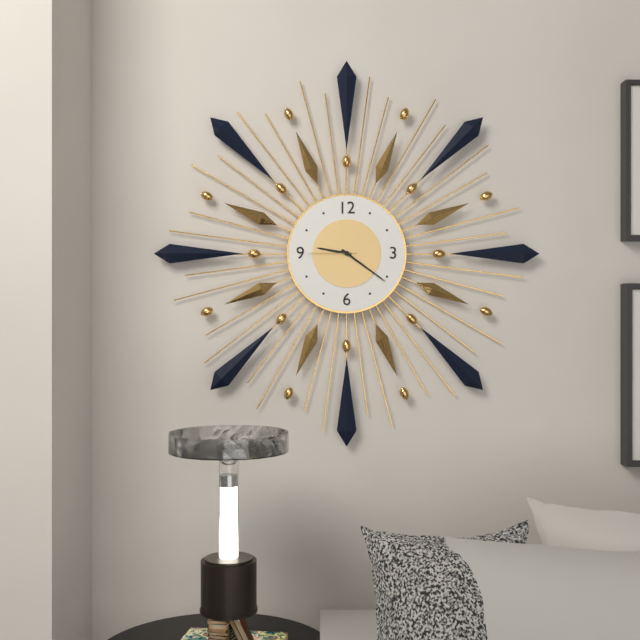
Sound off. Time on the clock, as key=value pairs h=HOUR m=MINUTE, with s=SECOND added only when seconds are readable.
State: h=9 m=21 s=45
